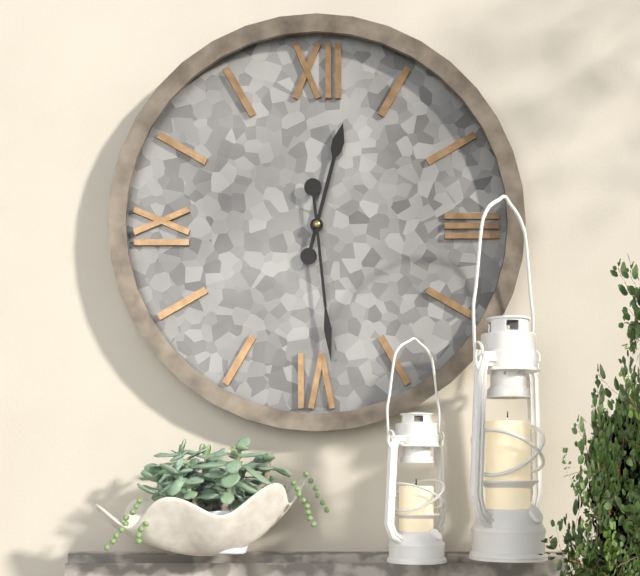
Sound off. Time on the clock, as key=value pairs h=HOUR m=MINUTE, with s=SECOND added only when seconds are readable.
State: h=12 m=29
